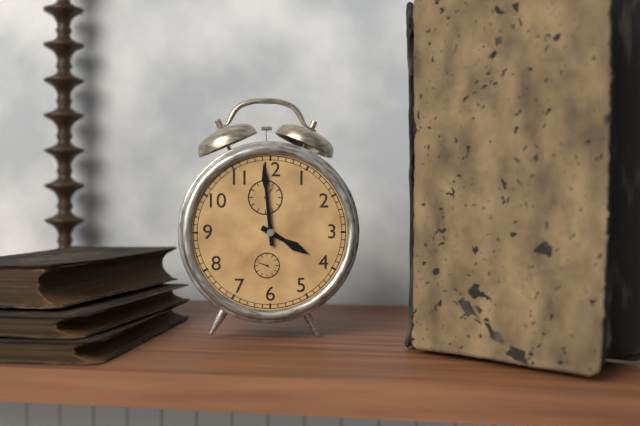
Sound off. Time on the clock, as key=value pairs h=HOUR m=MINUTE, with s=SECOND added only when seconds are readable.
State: h=3 m=59
